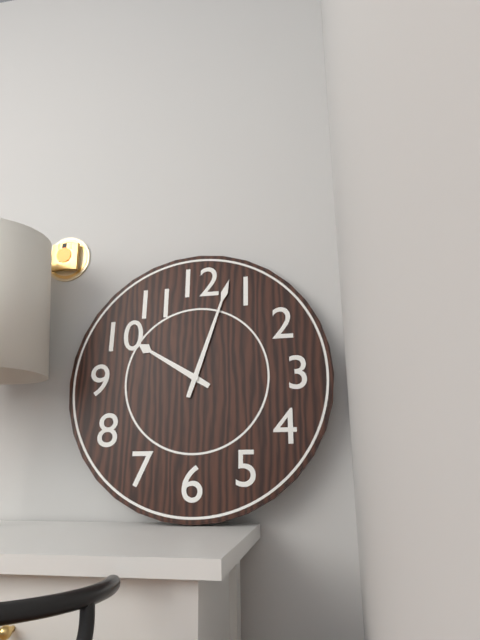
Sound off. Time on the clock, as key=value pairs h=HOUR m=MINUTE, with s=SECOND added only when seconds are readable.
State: h=10 m=3
